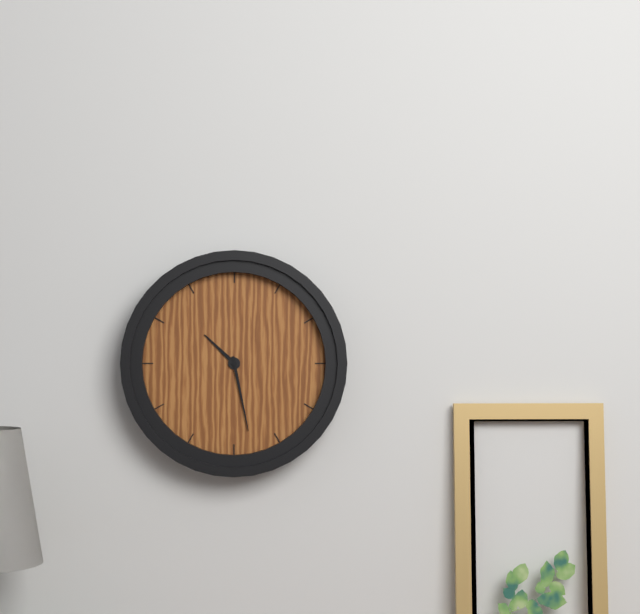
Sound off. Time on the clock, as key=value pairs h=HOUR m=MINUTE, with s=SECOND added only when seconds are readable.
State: h=10 m=28
